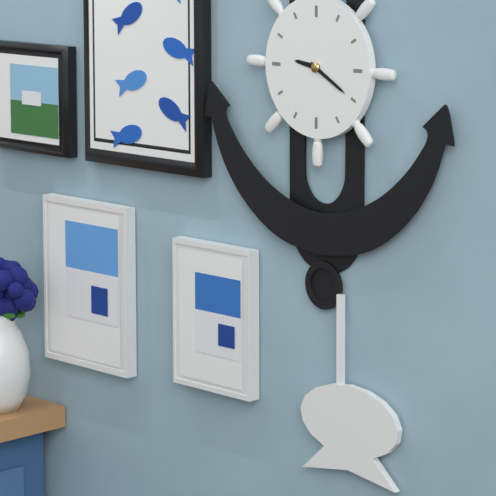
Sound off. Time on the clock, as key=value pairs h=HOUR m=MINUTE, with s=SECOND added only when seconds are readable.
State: h=9 m=20
